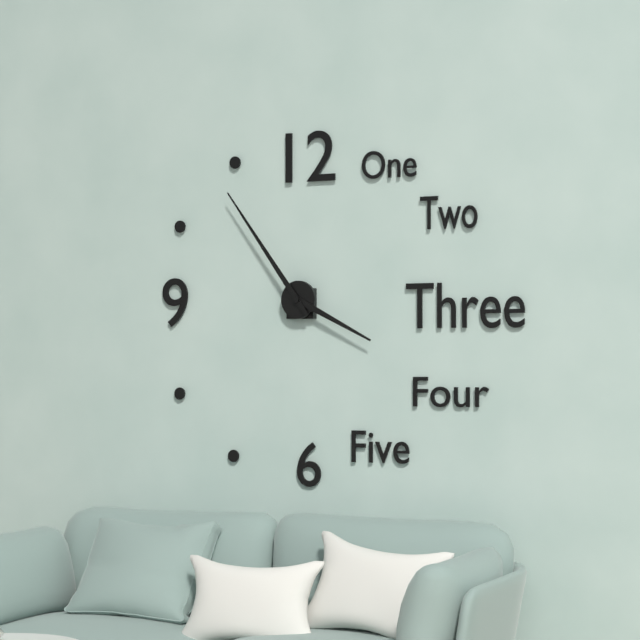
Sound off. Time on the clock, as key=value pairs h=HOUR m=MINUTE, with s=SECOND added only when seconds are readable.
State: h=3 m=54
